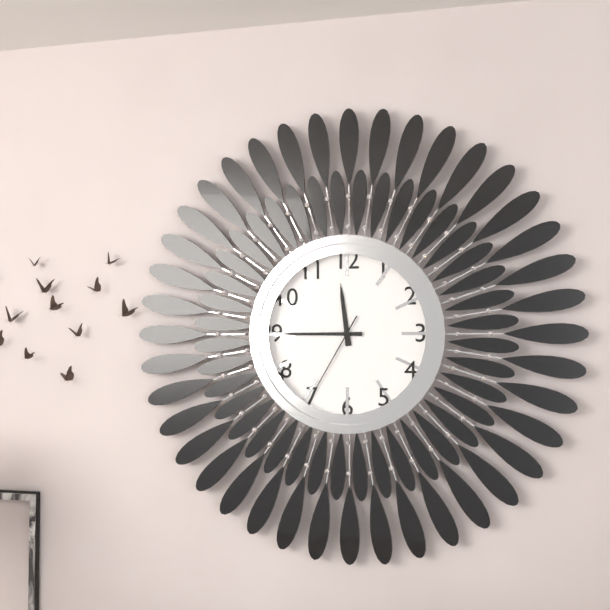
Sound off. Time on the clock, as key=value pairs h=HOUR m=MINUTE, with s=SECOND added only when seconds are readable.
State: h=11 m=45 s=35
